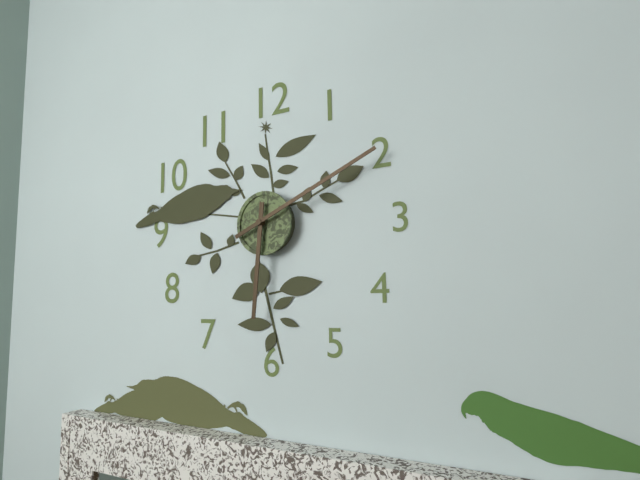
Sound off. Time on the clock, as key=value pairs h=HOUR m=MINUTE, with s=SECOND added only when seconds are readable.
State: h=6 m=11
